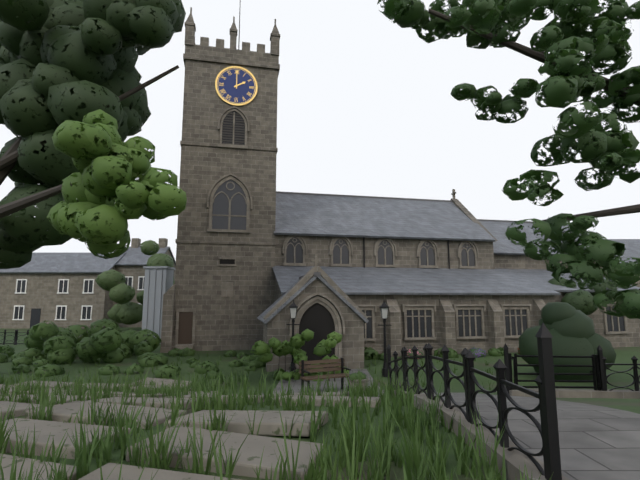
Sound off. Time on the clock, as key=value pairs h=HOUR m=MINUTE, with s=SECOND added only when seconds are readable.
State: h=2 m=0
